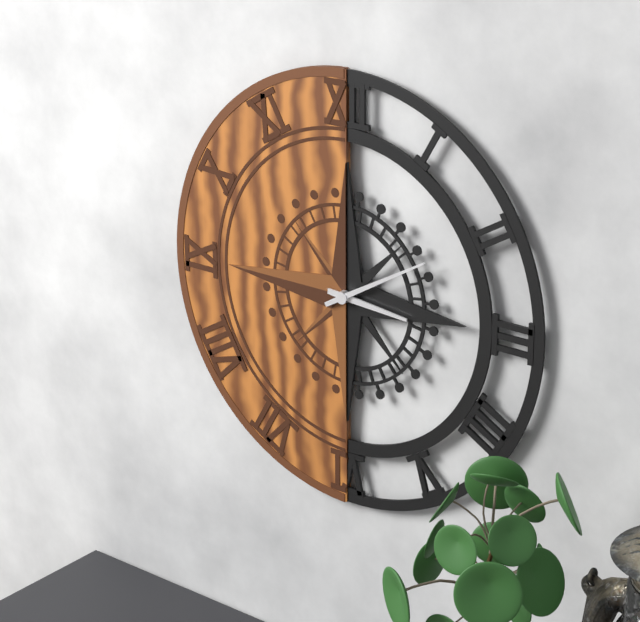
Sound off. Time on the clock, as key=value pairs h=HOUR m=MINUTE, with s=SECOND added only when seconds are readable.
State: h=3 m=10
